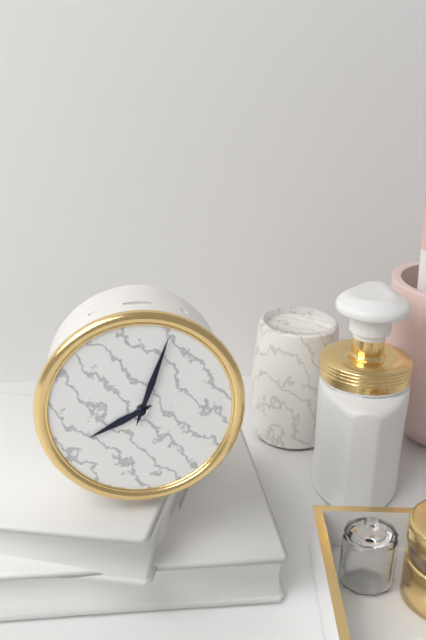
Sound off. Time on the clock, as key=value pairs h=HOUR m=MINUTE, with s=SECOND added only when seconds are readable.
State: h=8 m=3
